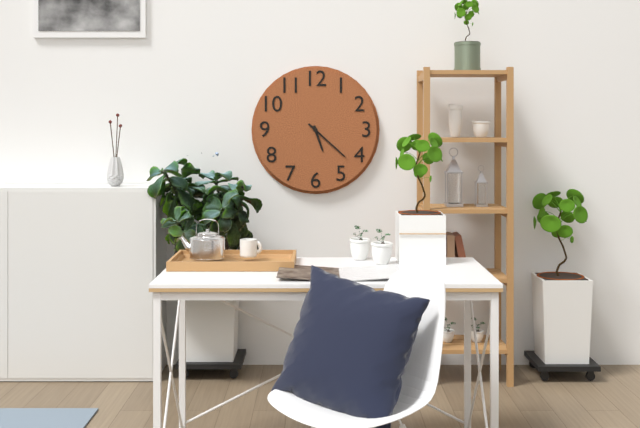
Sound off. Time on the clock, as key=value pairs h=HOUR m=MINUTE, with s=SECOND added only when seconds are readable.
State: h=5 m=22
